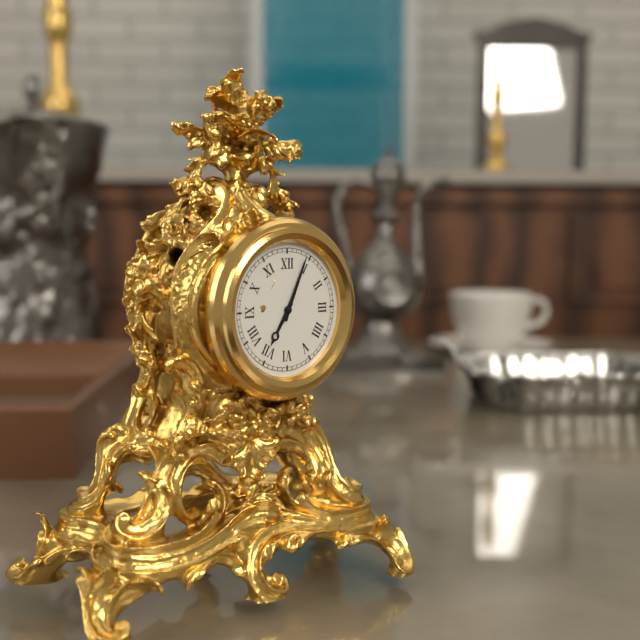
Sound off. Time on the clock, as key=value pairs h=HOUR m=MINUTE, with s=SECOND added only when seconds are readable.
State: h=7 m=4
